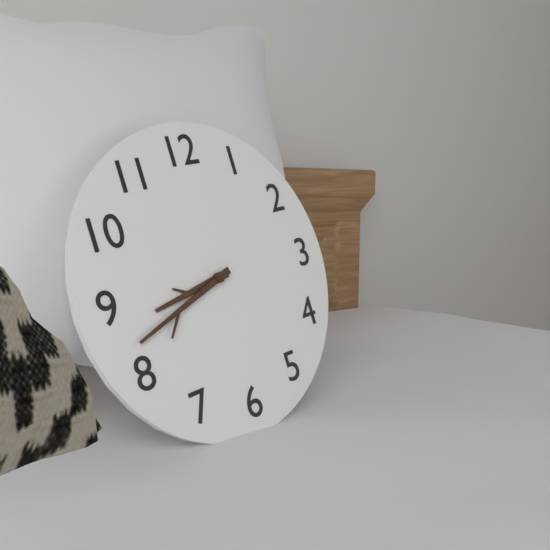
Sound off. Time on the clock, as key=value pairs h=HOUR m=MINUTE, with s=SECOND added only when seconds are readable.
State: h=8 m=42
